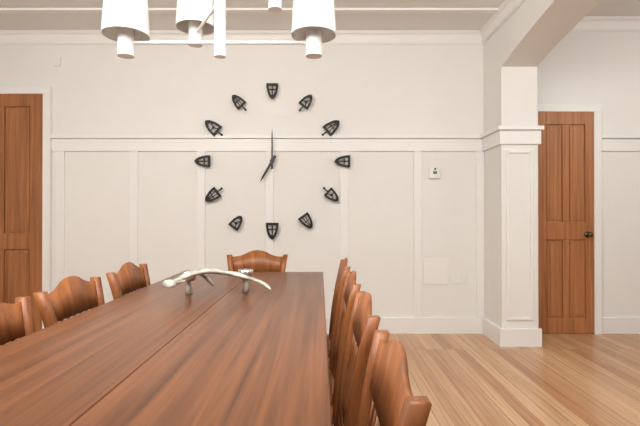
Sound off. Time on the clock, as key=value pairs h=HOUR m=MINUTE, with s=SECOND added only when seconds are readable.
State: h=7 m=0
